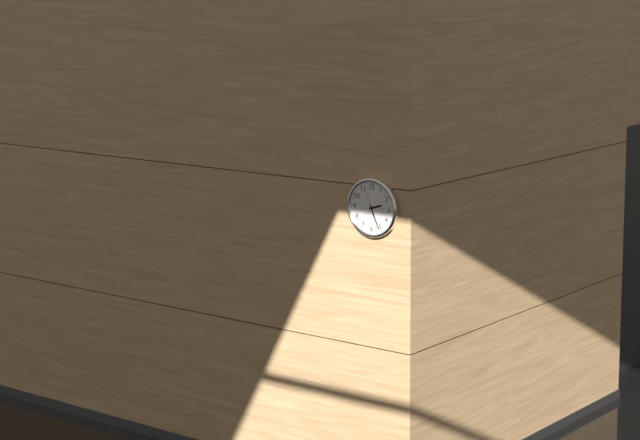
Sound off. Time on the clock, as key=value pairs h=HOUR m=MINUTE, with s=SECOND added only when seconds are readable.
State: h=2 m=26
